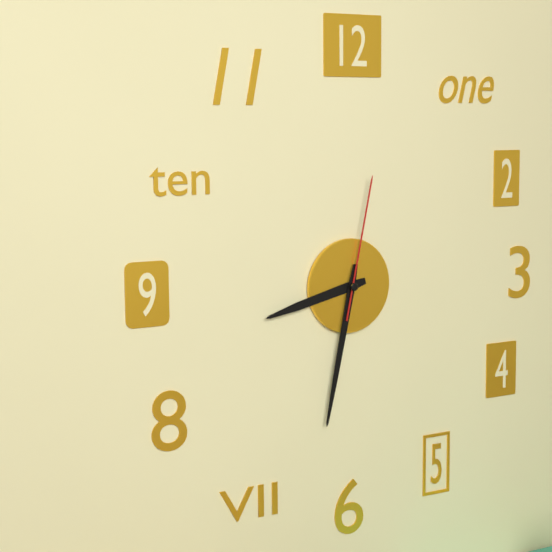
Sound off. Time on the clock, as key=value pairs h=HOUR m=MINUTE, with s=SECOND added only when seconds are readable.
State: h=8 m=32 s=2
